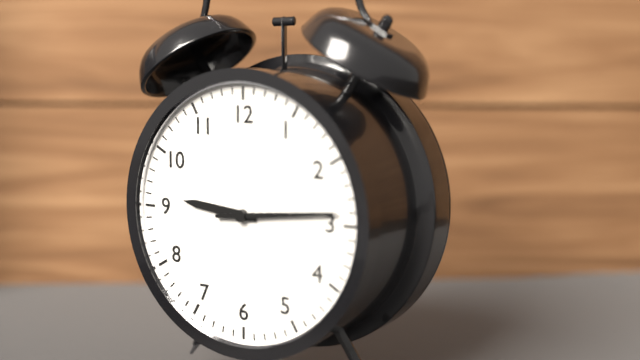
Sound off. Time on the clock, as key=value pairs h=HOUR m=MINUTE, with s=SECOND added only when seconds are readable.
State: h=9 m=14
